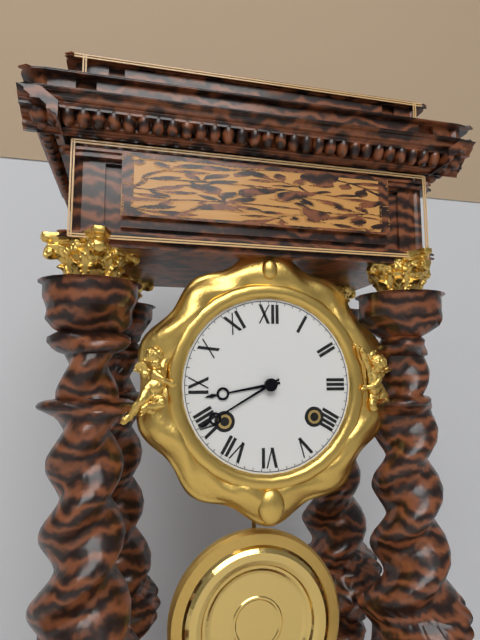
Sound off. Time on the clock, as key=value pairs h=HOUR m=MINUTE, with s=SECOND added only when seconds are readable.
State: h=8 m=40
